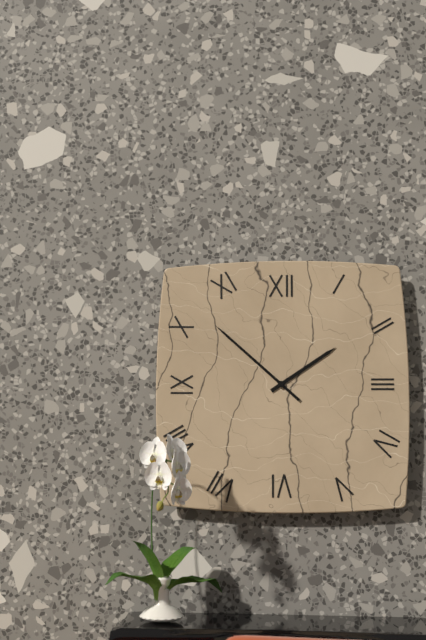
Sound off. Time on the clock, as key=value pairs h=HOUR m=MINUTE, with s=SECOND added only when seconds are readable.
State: h=1 m=52
